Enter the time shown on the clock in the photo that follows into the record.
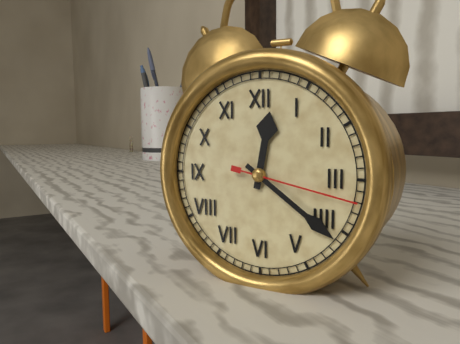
12:21:17
